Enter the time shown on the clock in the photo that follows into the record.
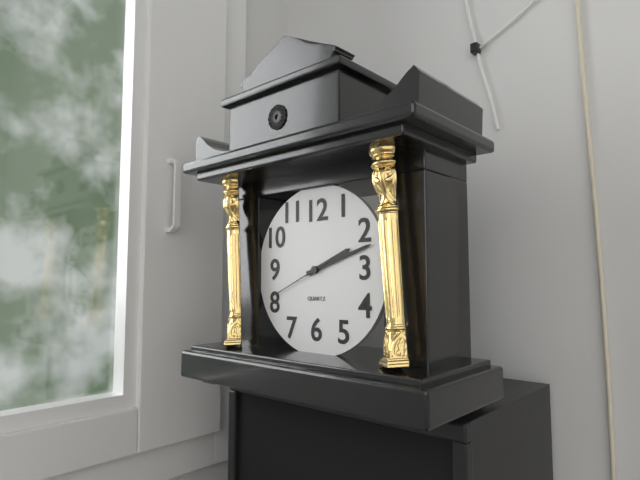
2:12:41
